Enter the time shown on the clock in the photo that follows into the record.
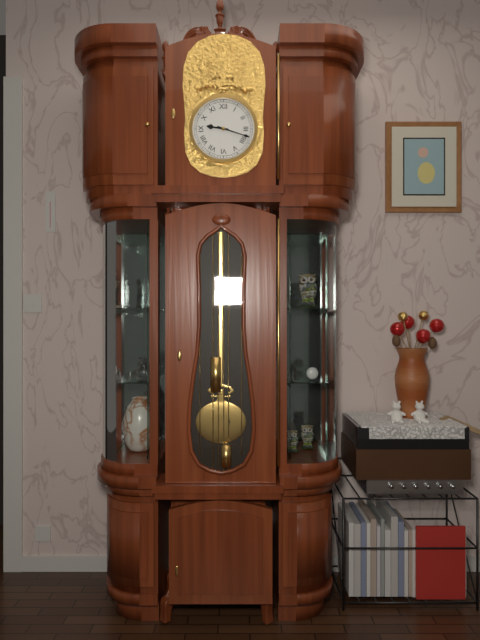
9:18
